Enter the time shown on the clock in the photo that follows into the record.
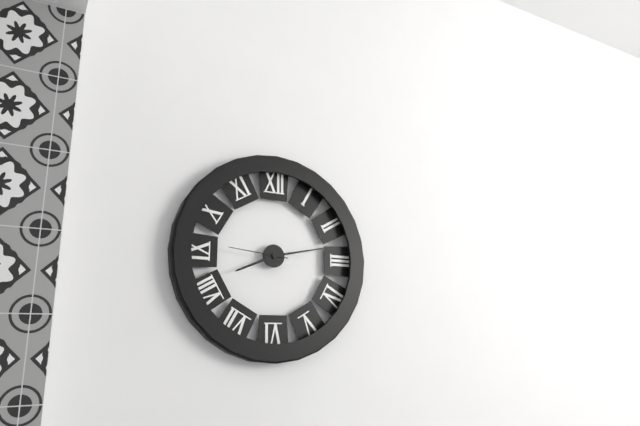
8:13:46
